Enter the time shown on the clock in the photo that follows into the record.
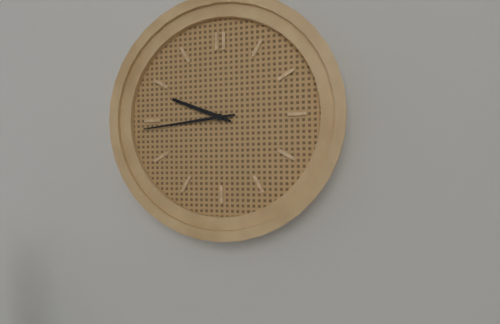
9:44
